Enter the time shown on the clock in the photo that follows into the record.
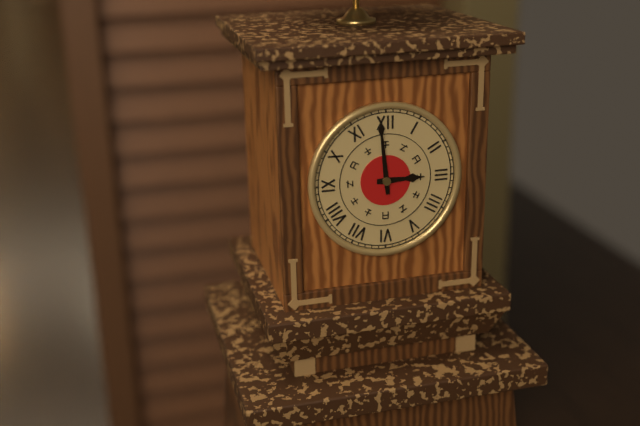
2:59
